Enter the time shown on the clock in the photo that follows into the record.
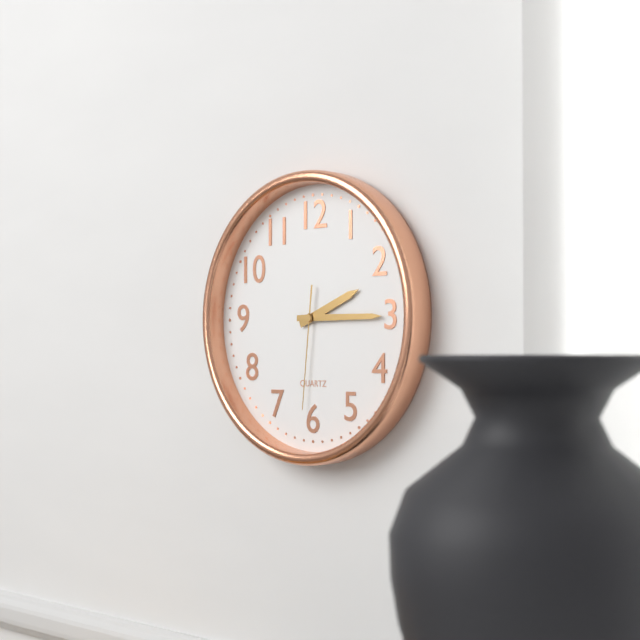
2:15:31
